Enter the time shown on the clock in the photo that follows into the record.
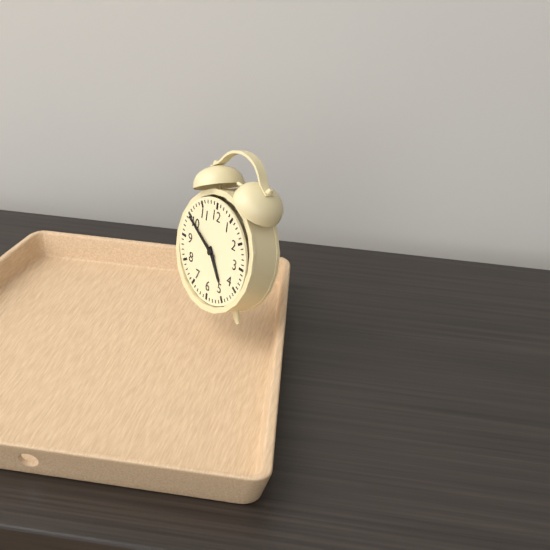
4:50
